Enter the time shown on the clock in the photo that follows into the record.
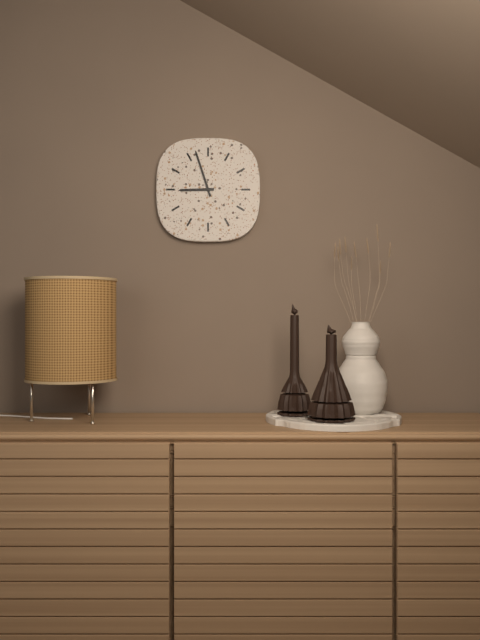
8:57
